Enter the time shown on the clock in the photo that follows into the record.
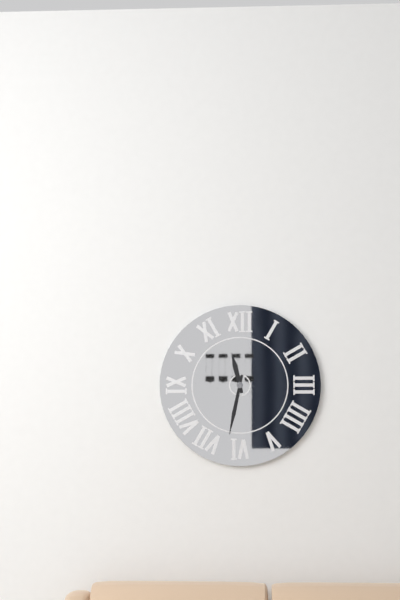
11:32
